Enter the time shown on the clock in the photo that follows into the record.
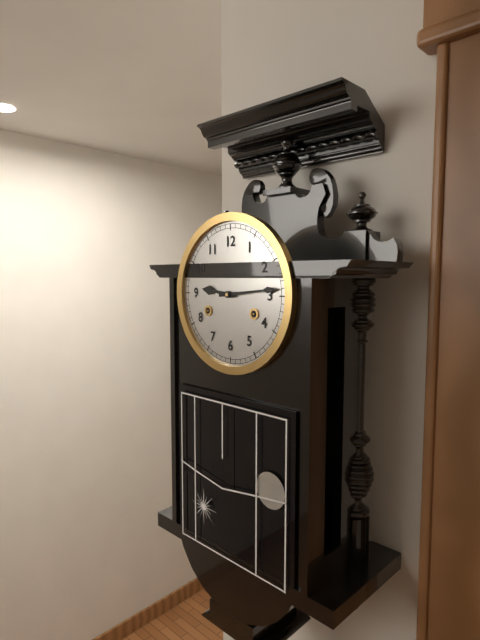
9:14
